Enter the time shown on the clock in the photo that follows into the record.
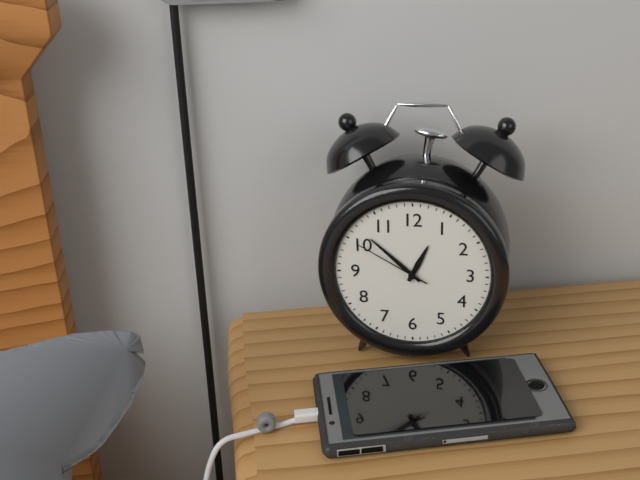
12:52:50
